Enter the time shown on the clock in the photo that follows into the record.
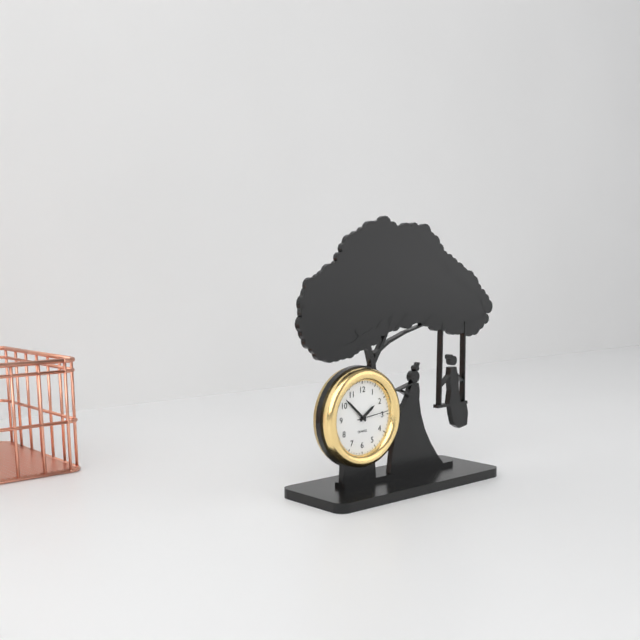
1:52
